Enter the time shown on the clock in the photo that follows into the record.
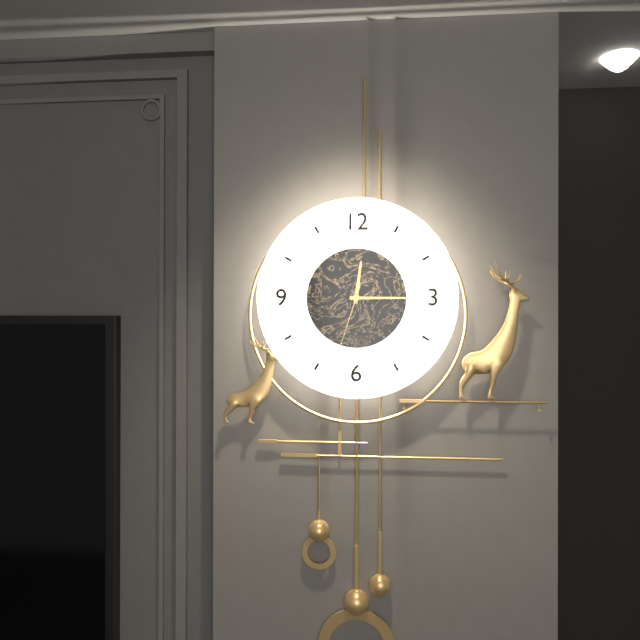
12:15:33
